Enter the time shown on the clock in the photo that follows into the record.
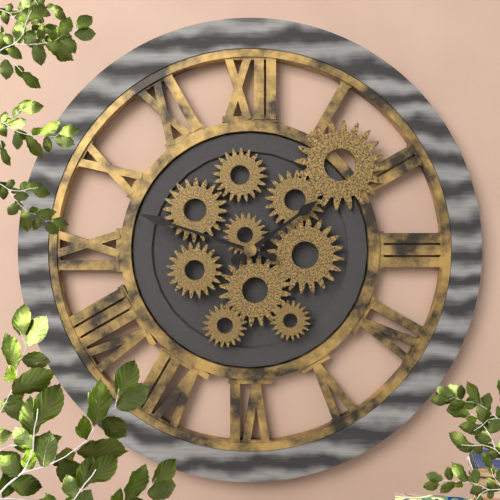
1:48
